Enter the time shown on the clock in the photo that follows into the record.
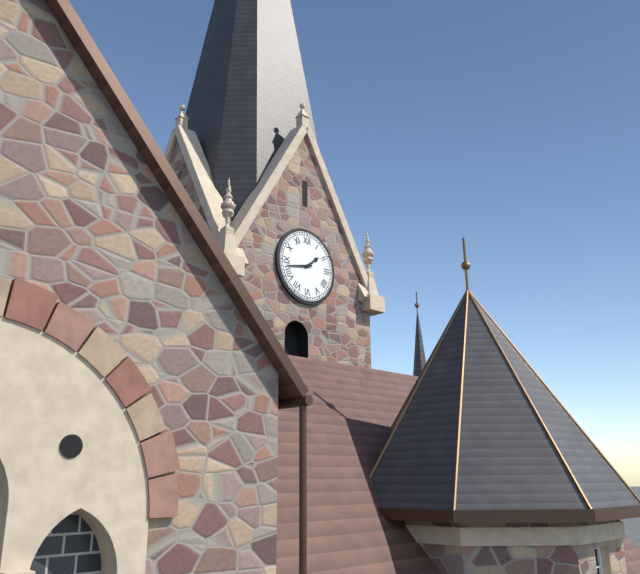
1:43
